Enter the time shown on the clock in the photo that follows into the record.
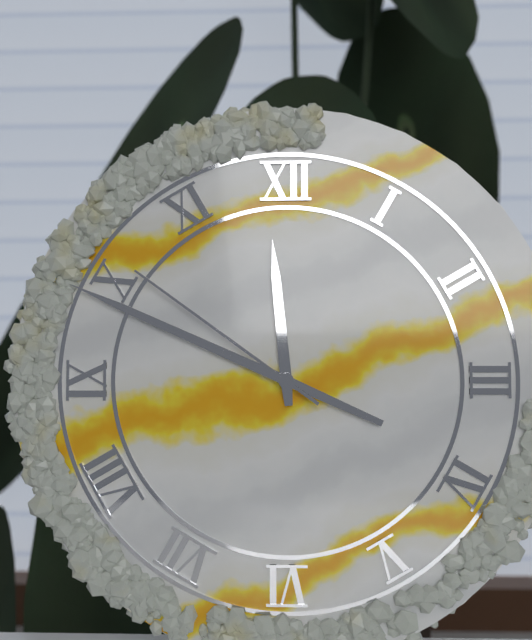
11:49:51
